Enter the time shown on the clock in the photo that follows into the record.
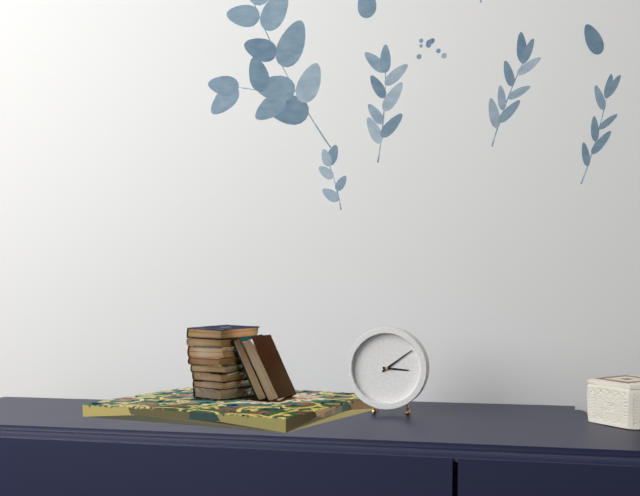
3:09
